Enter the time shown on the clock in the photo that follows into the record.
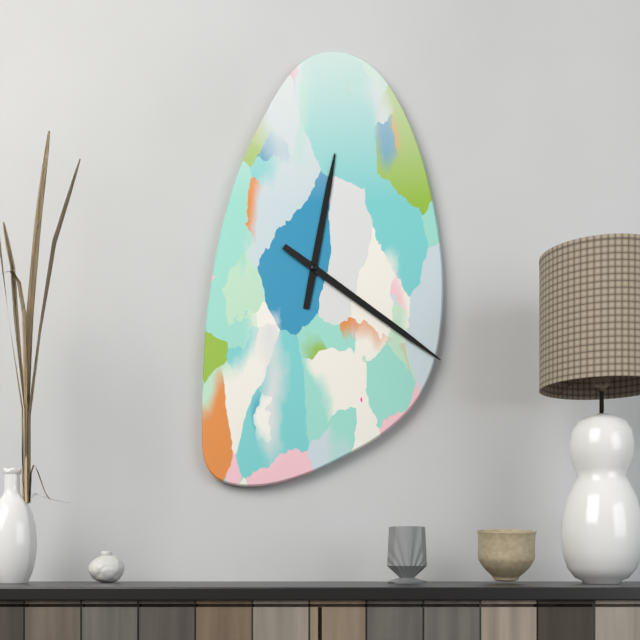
12:21
